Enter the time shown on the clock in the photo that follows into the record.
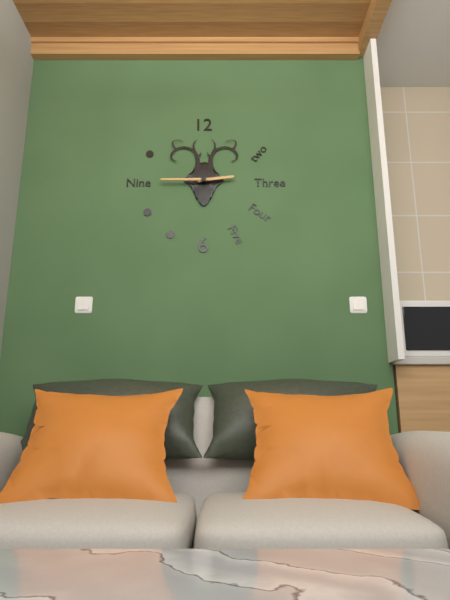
2:45
